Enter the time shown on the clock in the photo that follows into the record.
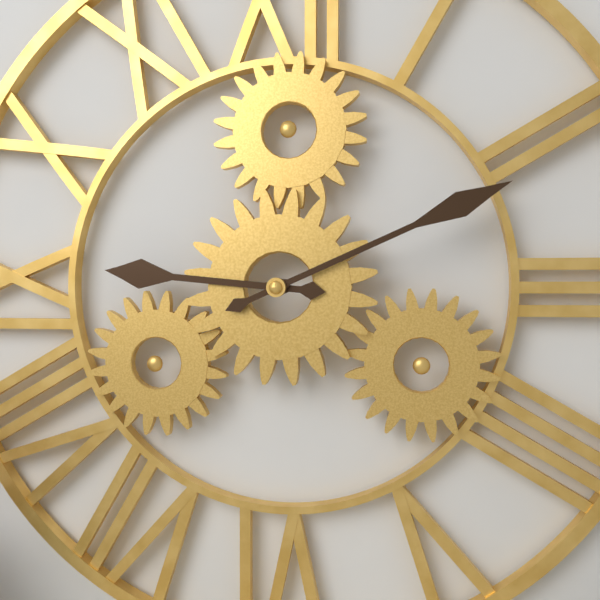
9:11
